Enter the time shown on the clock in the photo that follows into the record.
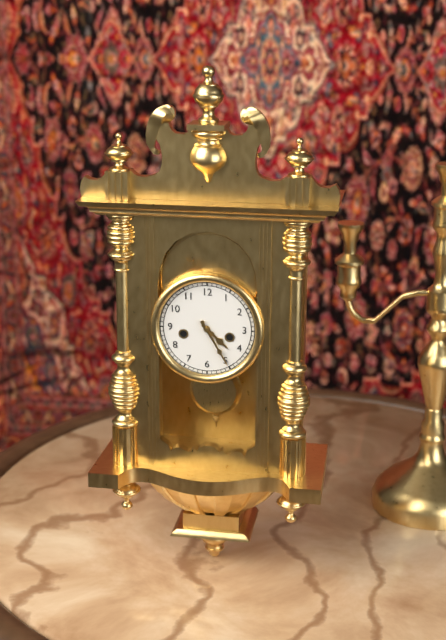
4:25
